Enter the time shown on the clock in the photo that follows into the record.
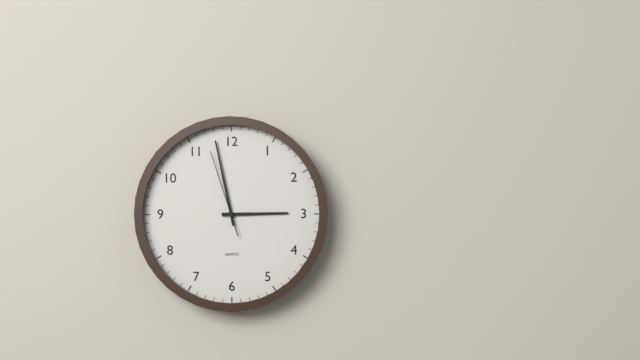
2:58:57
